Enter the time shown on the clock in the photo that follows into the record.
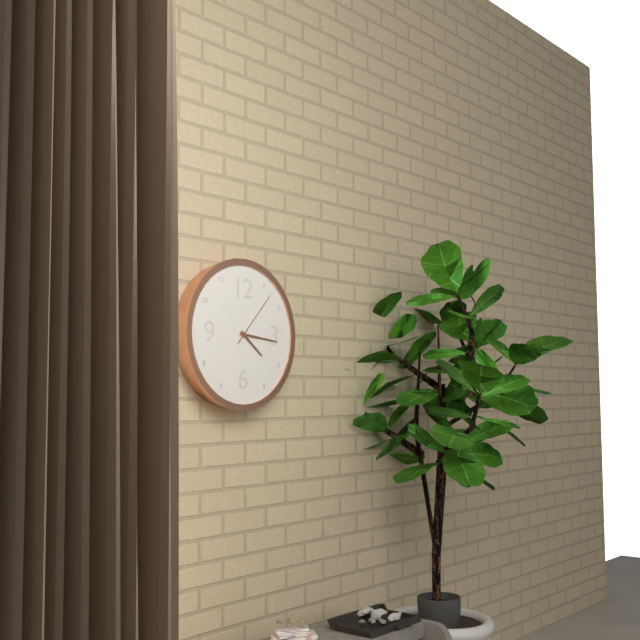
4:16:07
